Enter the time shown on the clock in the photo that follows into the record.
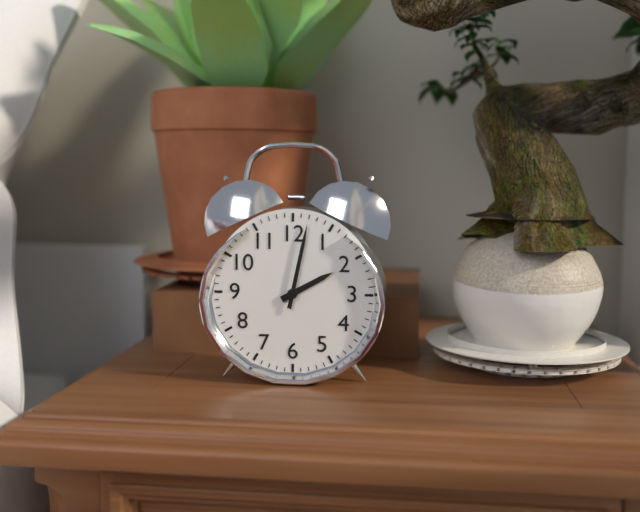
2:02
